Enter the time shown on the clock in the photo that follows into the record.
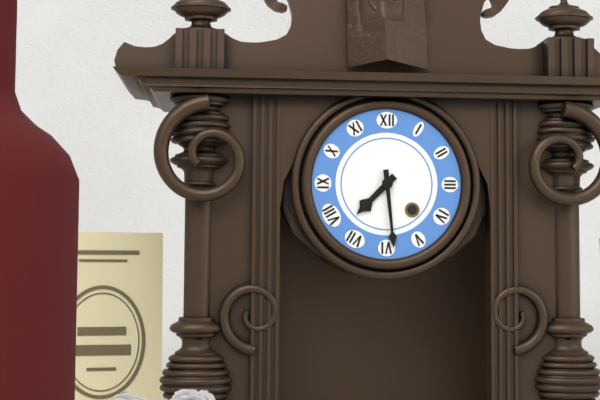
7:29
